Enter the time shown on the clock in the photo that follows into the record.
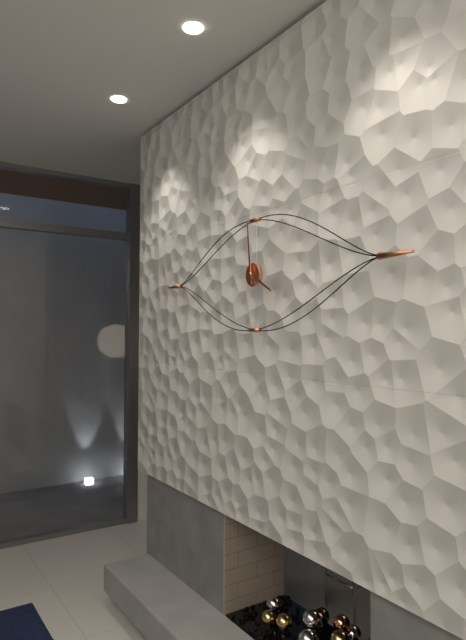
3:59
